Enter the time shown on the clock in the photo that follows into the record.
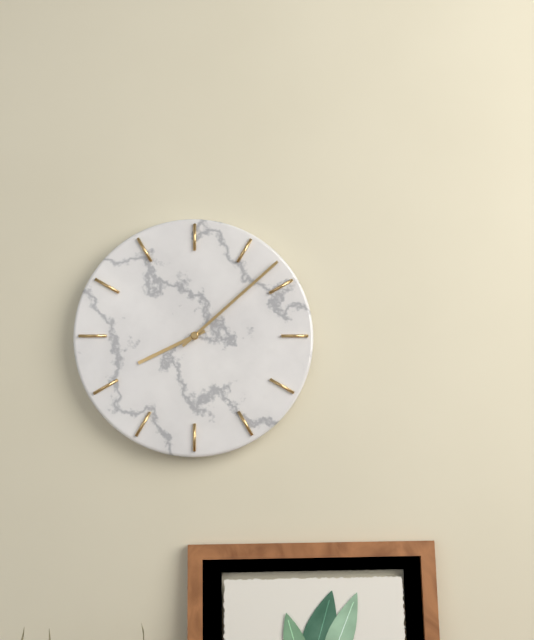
8:08
